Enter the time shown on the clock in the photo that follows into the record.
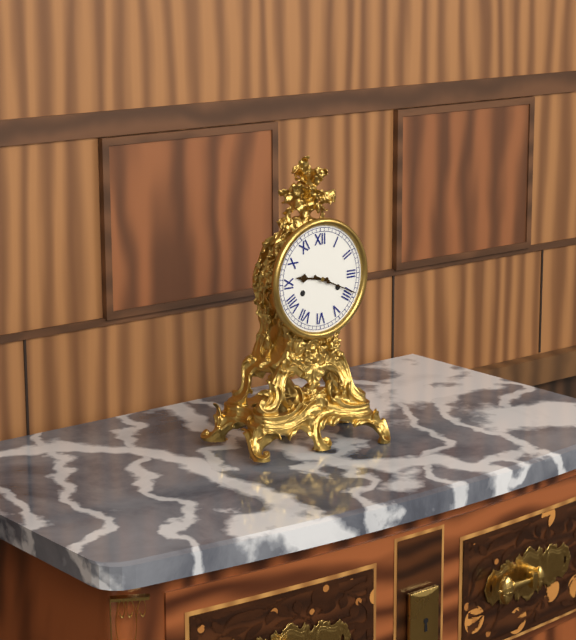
9:19
